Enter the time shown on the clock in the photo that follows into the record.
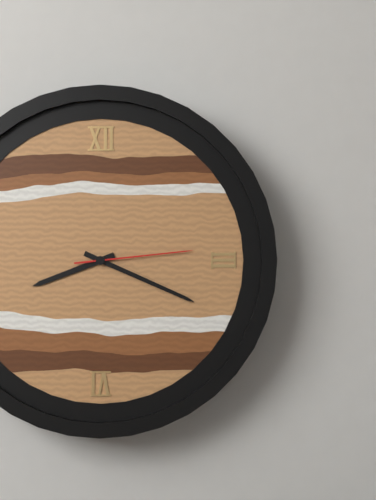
8:19:14
